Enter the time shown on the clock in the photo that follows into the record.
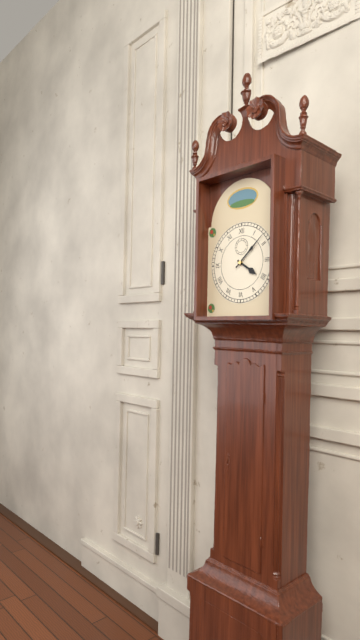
4:08
